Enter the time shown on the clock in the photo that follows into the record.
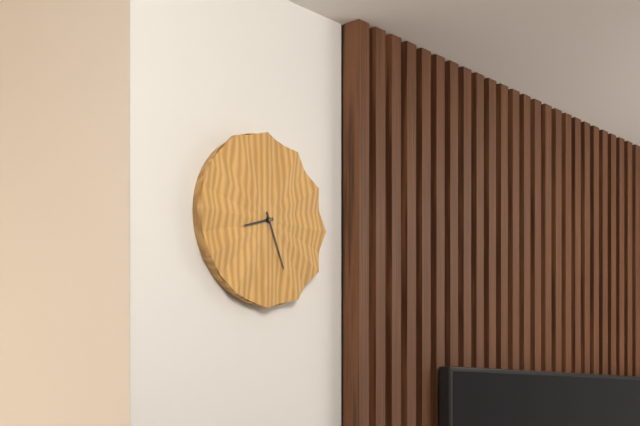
8:26
